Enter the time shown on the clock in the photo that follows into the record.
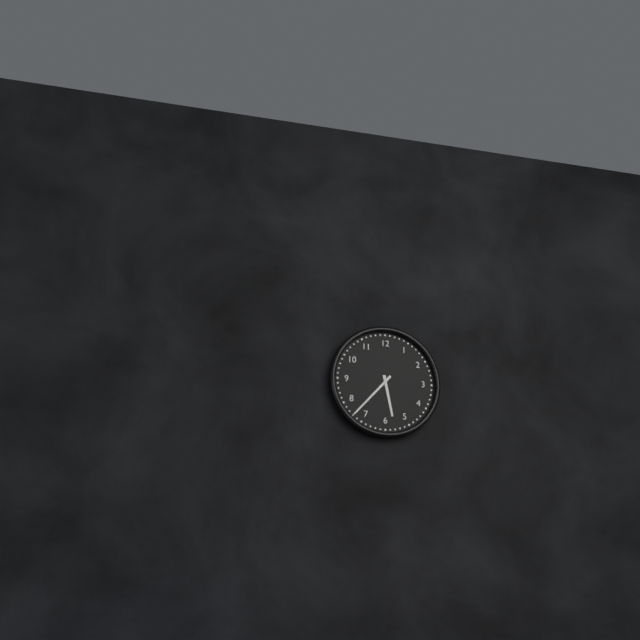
5:37
